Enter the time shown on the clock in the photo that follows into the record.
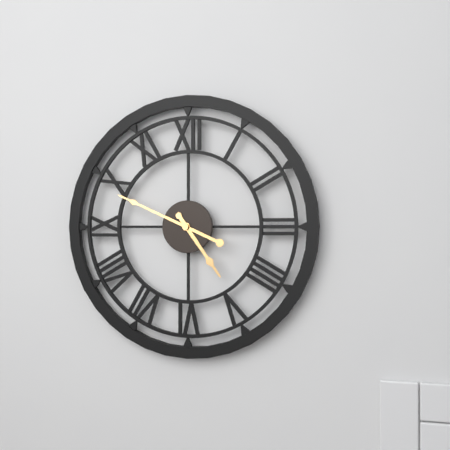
4:49
